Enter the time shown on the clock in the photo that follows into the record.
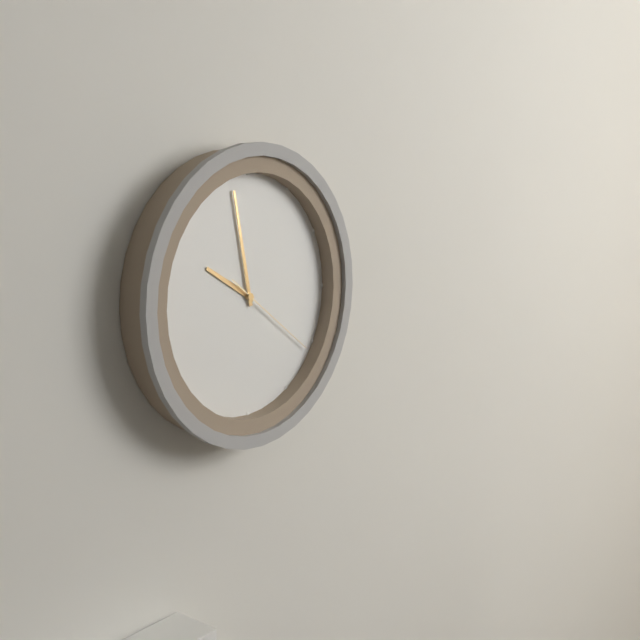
9:58:21
